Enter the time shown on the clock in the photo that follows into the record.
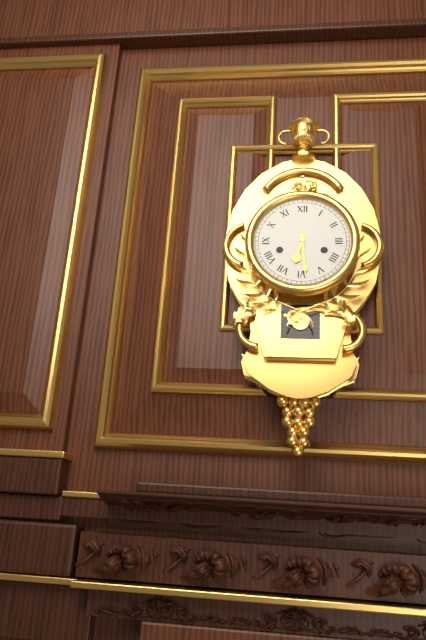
6:29
